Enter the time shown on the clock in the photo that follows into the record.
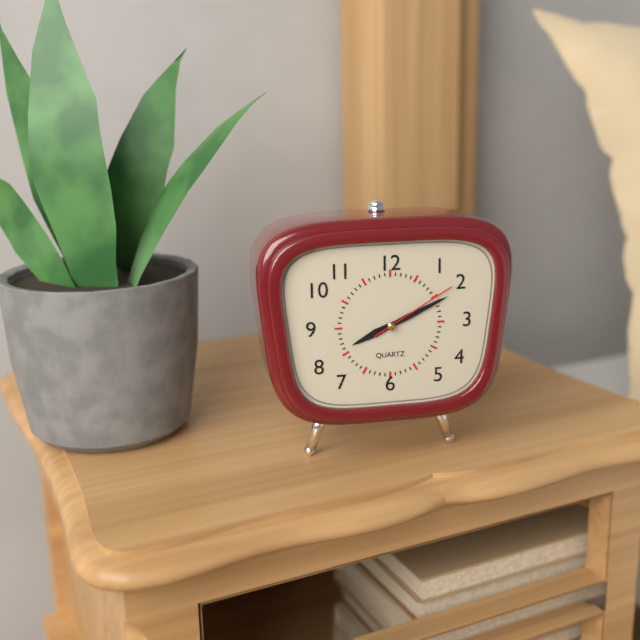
8:11:10
